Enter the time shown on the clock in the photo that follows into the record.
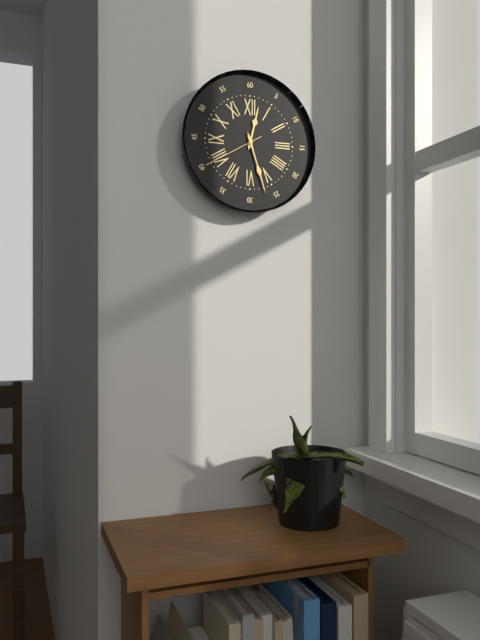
12:27:40
